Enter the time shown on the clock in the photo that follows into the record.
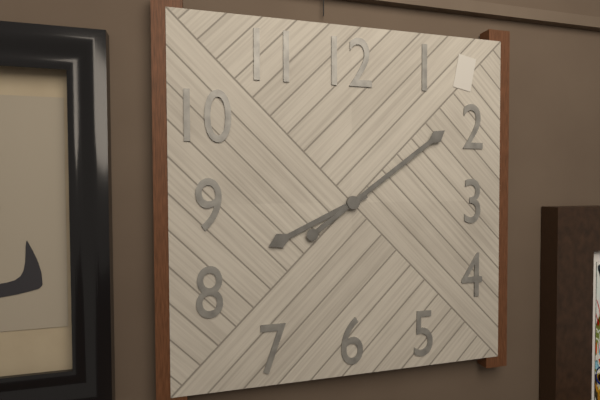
8:09
